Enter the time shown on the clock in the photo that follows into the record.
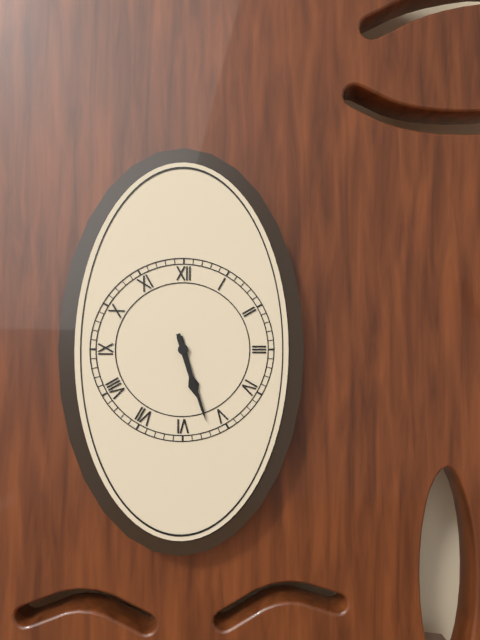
5:27
